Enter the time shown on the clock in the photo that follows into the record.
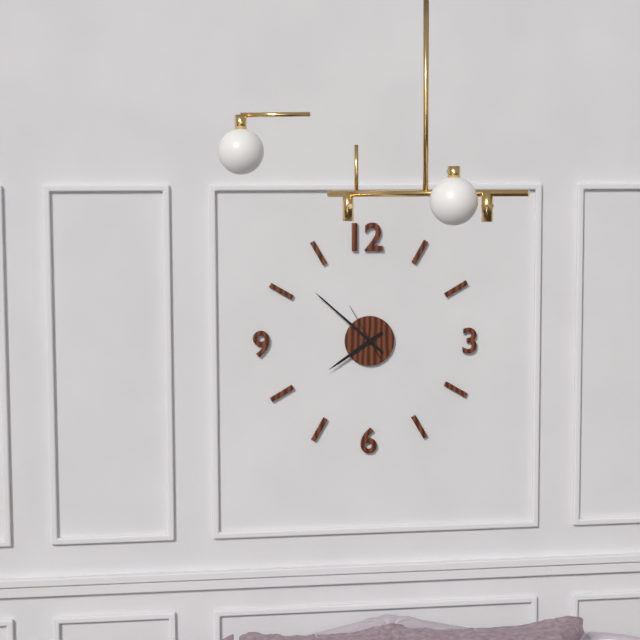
7:52:55
